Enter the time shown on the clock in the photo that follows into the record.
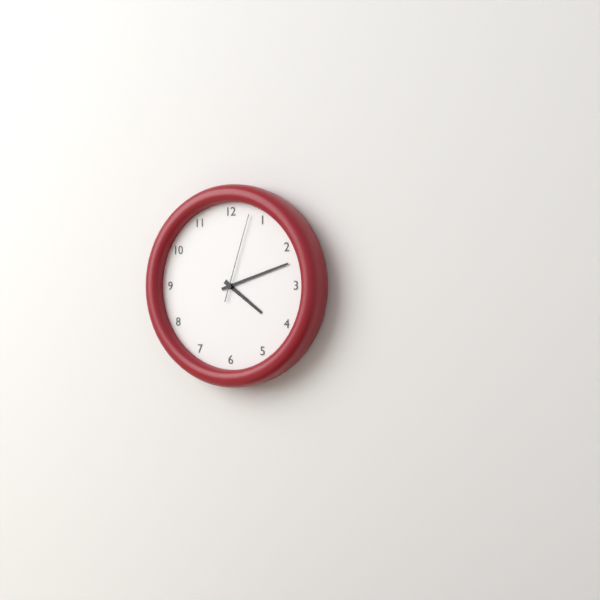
4:12:03
